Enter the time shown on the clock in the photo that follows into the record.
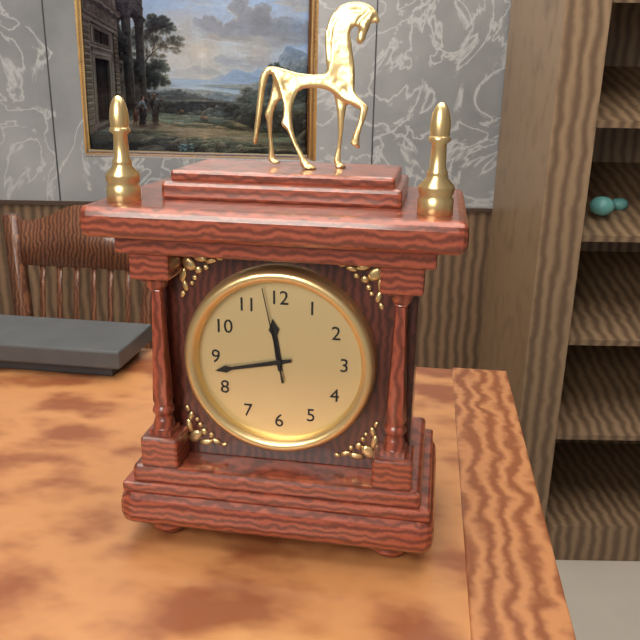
11:43:58
